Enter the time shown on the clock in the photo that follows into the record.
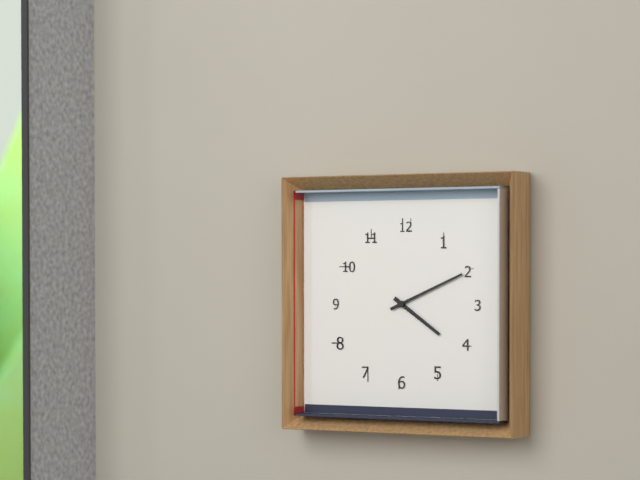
4:11
